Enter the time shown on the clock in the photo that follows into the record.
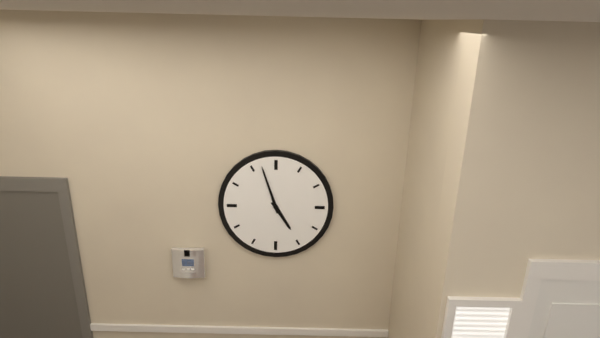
4:57
